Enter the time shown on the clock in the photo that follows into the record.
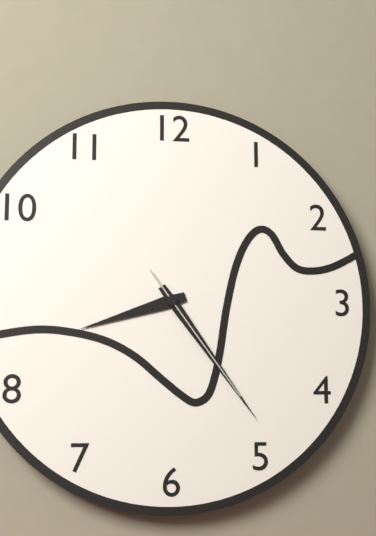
8:24:24
